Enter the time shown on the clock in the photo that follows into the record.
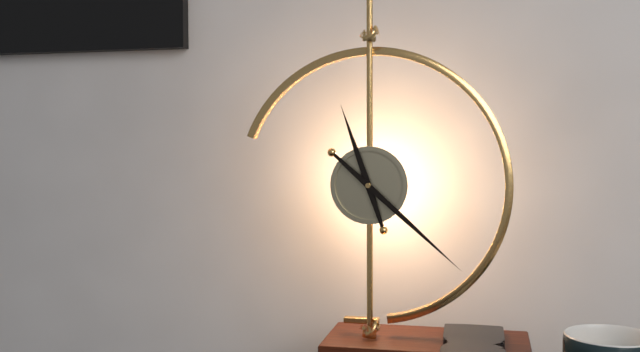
11:22
